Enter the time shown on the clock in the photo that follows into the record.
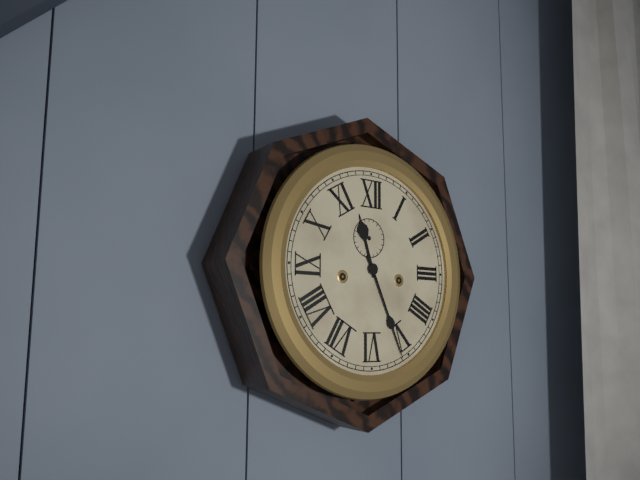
11:26
